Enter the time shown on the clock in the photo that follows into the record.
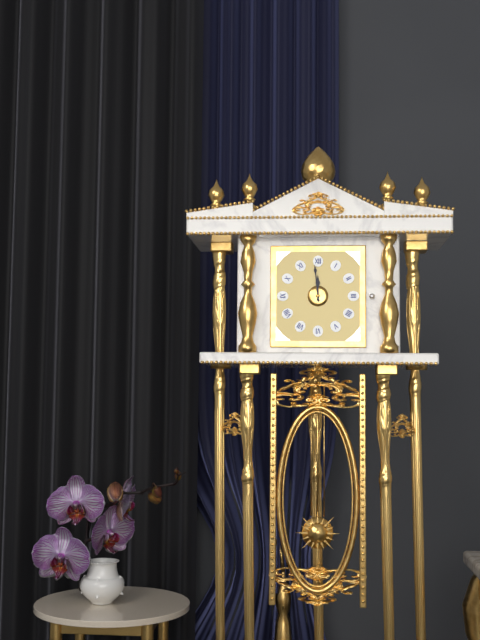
11:59
